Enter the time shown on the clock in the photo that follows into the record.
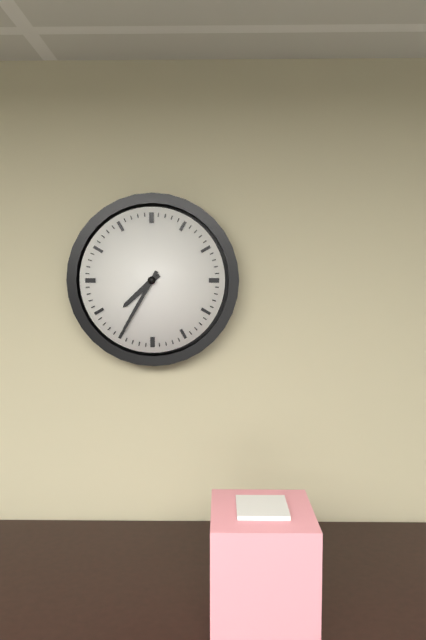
7:35
